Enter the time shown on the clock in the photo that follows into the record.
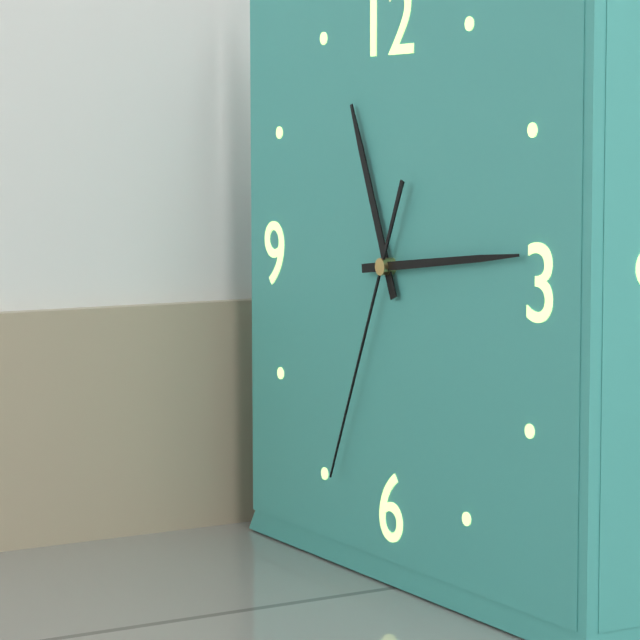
11:14:34
